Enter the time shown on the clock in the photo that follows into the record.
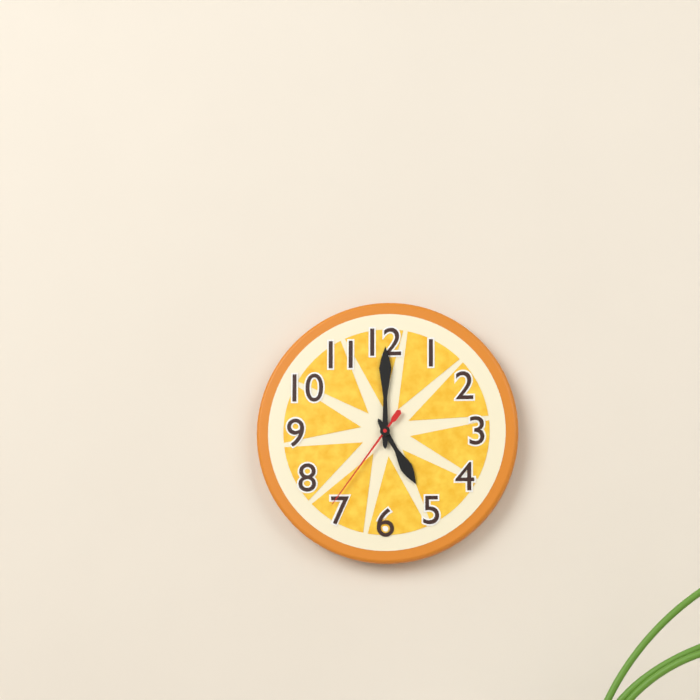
5:00:36
